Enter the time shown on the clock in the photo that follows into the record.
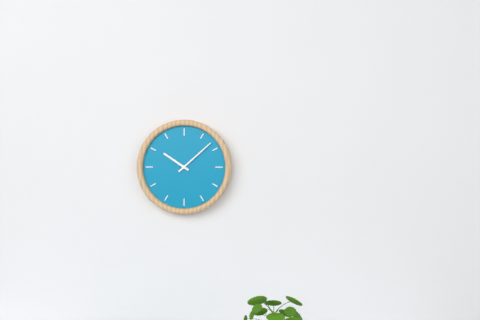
10:08
